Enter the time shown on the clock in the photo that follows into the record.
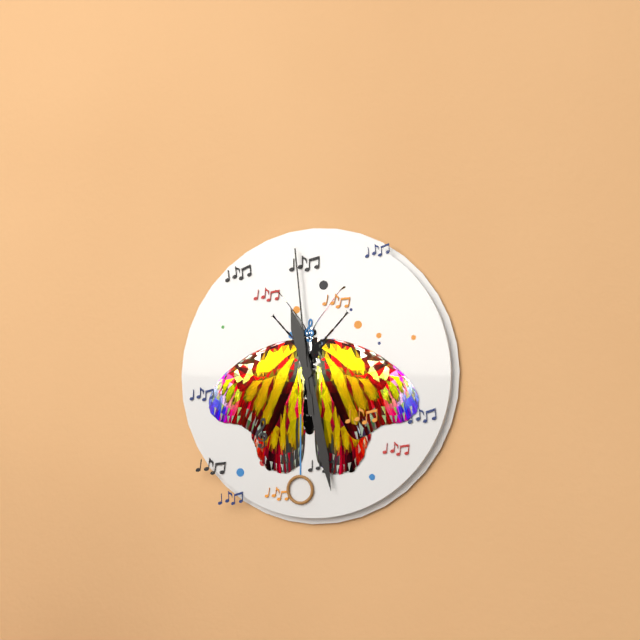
11:28:59
